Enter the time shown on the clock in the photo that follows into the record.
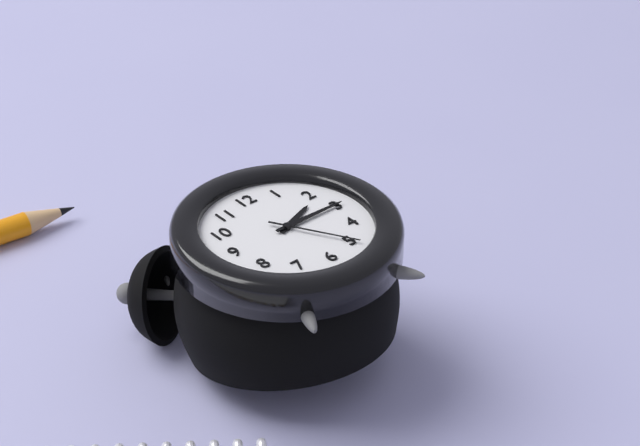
2:15:25
